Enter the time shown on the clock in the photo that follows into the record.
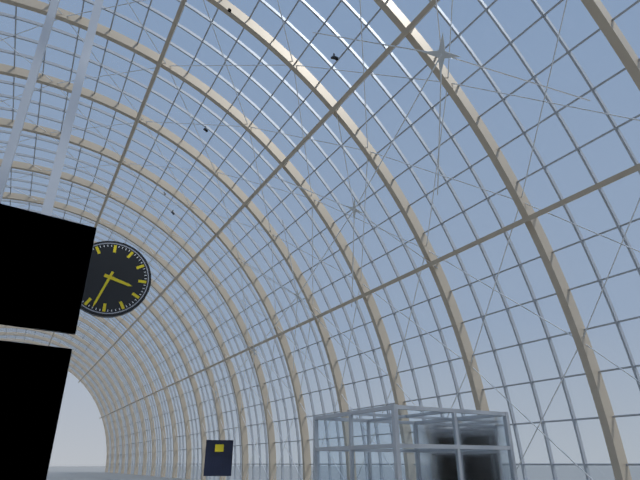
3:33
